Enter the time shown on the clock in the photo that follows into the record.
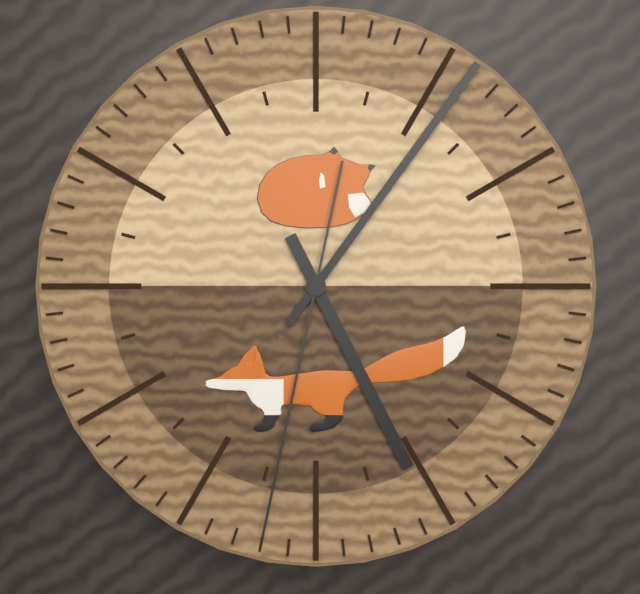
5:06:32
